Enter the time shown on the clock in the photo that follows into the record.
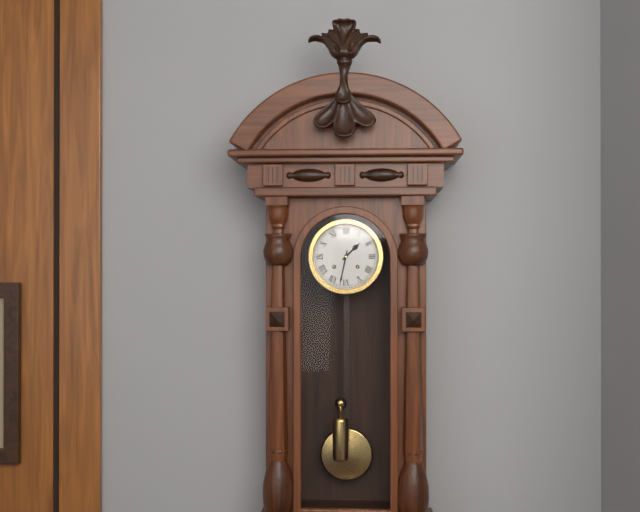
1:32
